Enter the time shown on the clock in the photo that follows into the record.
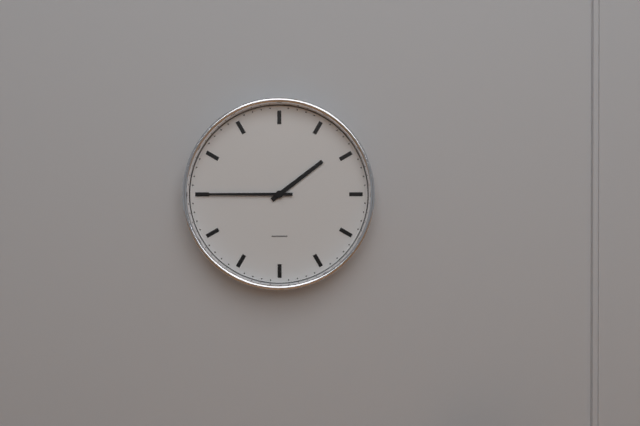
1:45
